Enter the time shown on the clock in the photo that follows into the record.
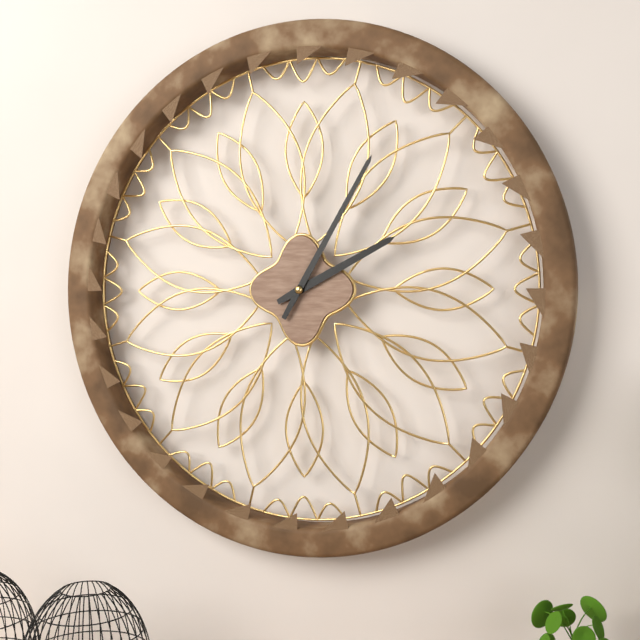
2:05
